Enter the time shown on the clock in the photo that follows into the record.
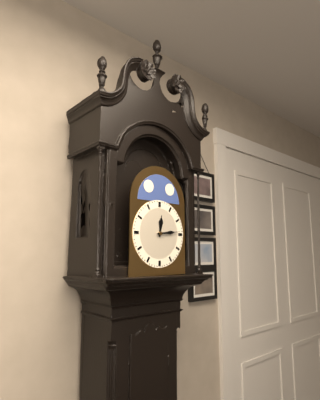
12:14
